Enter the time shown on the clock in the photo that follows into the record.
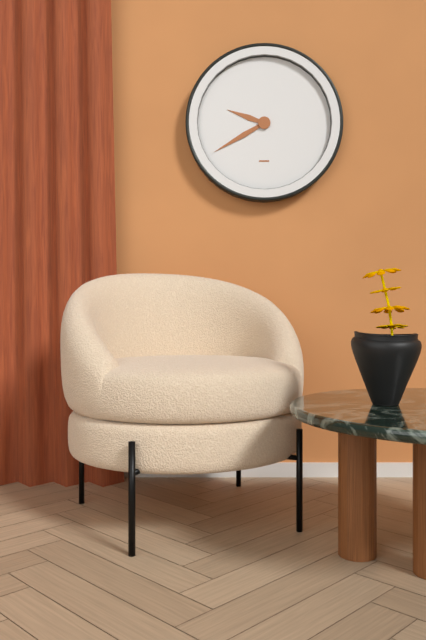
9:40
